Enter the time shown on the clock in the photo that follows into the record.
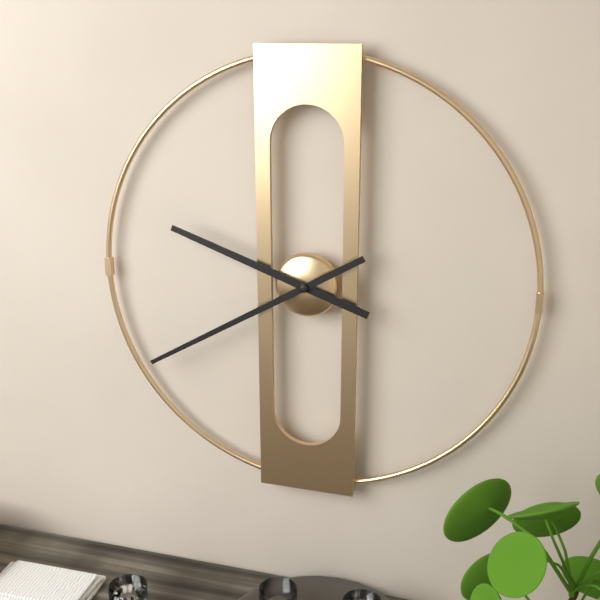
9:40
